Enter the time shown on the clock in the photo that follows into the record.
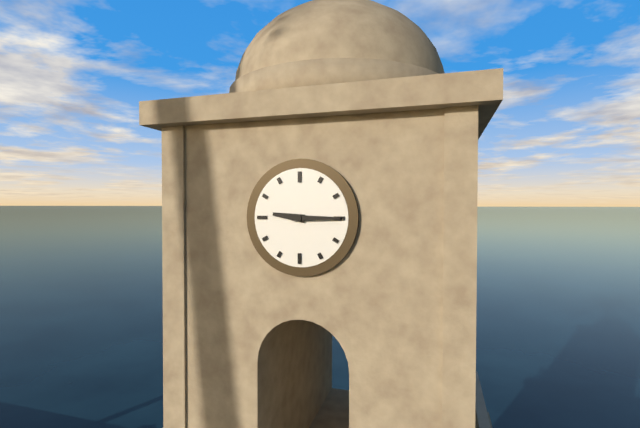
9:15
